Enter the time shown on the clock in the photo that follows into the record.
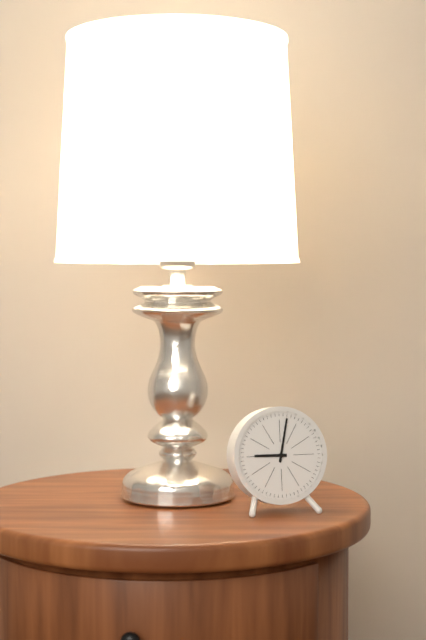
9:02
